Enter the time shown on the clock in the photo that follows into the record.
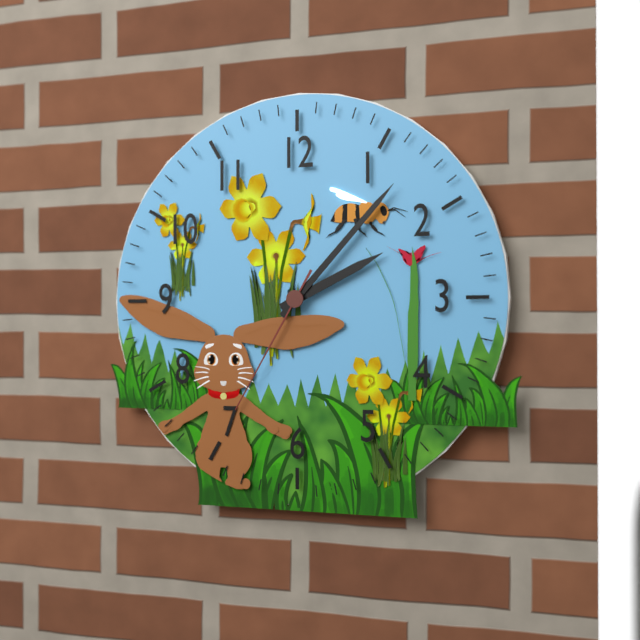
2:07:35
